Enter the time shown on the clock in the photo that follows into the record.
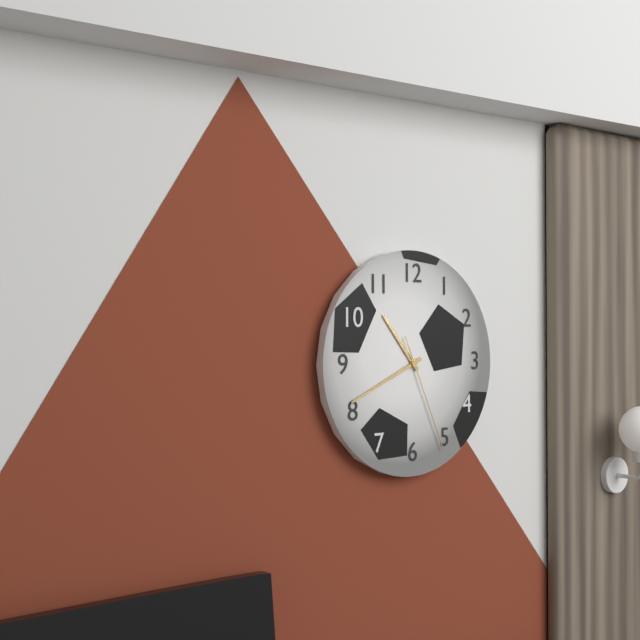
10:41:26
